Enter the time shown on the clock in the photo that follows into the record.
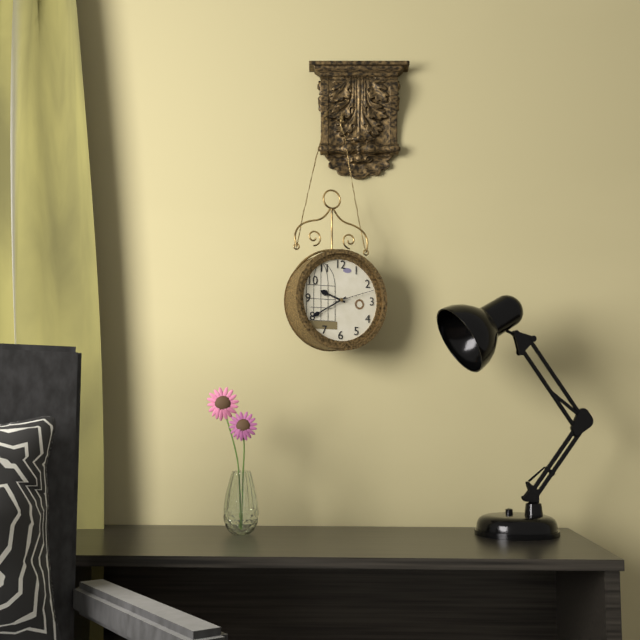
9:40:12
